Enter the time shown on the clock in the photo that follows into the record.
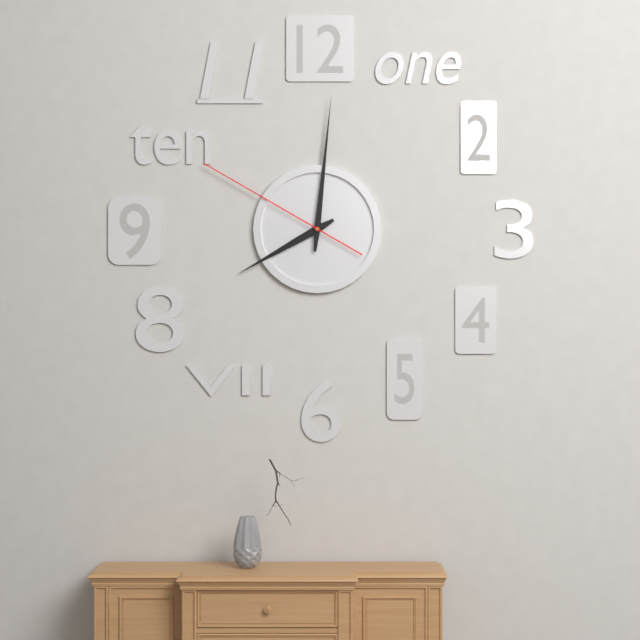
8:01:50
